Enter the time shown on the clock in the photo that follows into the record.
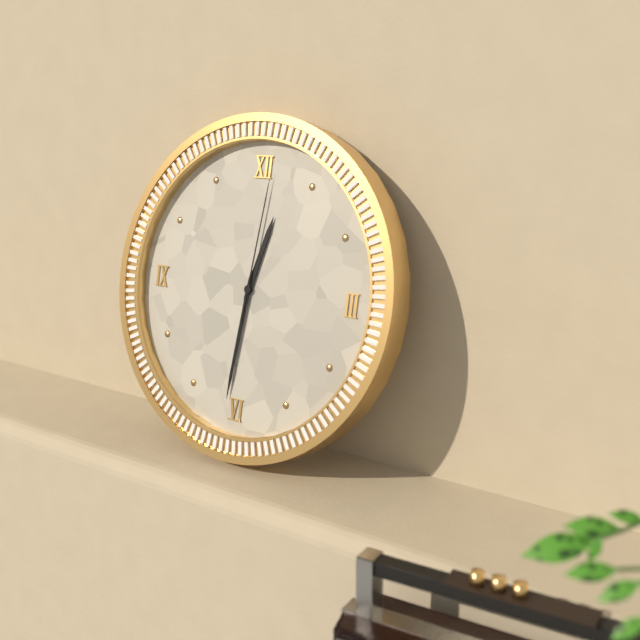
12:31:01
